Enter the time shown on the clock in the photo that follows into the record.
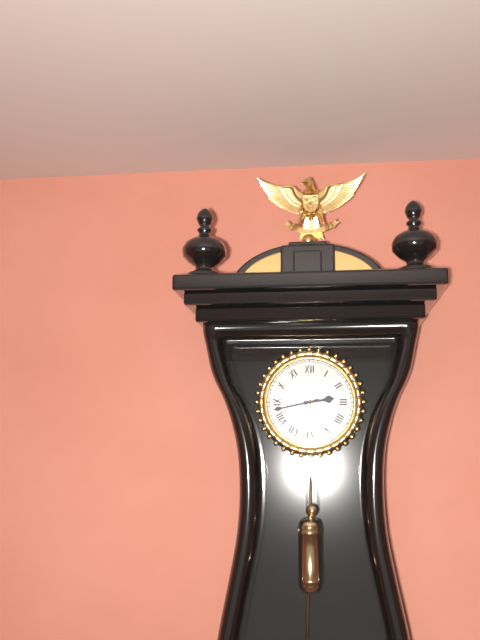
2:43
